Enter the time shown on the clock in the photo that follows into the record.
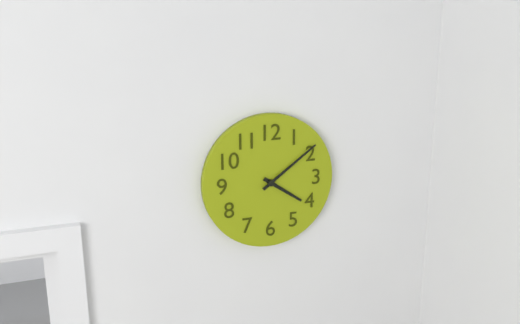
4:09
